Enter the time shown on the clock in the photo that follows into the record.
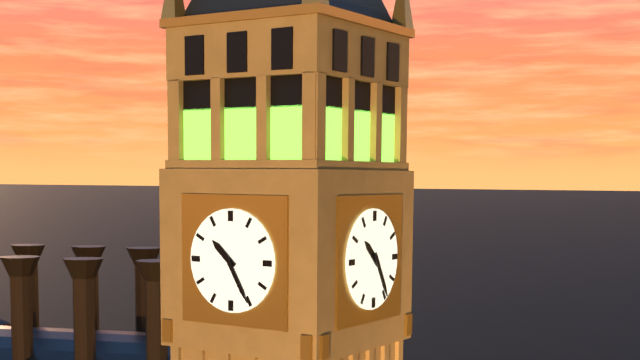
10:25
